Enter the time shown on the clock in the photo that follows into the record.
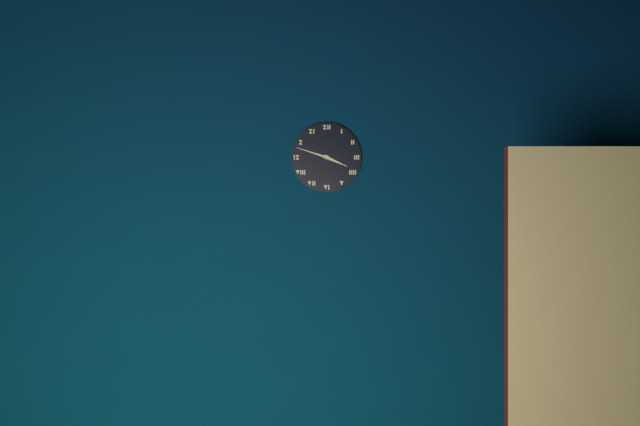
3:48
